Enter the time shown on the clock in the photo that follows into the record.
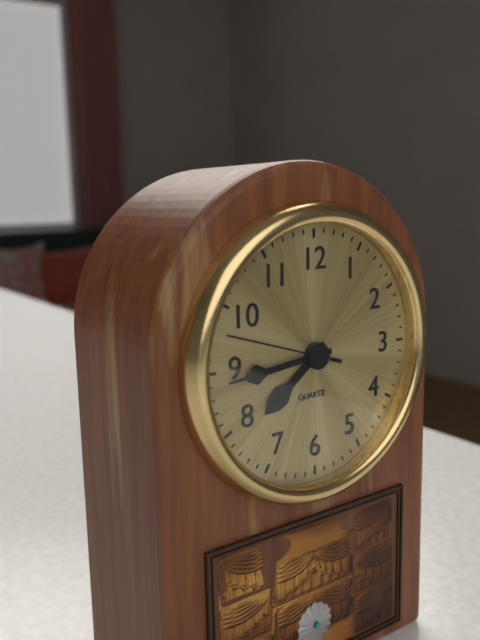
7:44:48
